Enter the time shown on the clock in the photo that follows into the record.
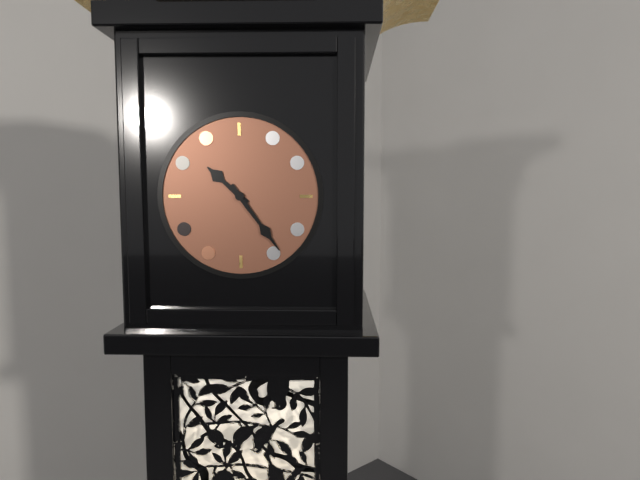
10:24
